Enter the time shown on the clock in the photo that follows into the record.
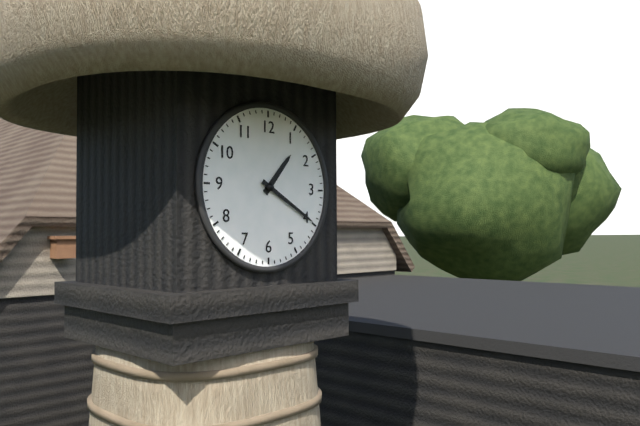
1:20
